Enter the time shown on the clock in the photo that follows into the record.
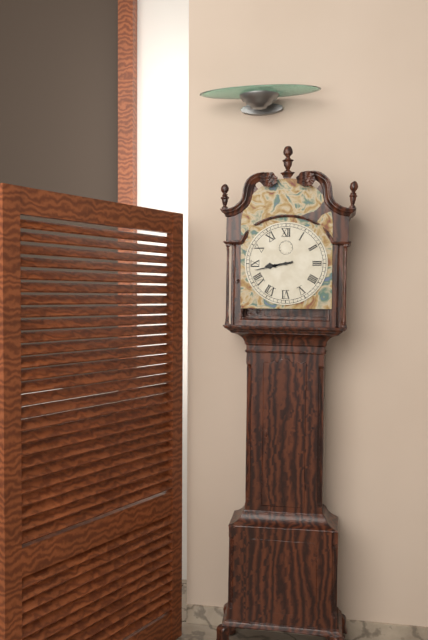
8:43
